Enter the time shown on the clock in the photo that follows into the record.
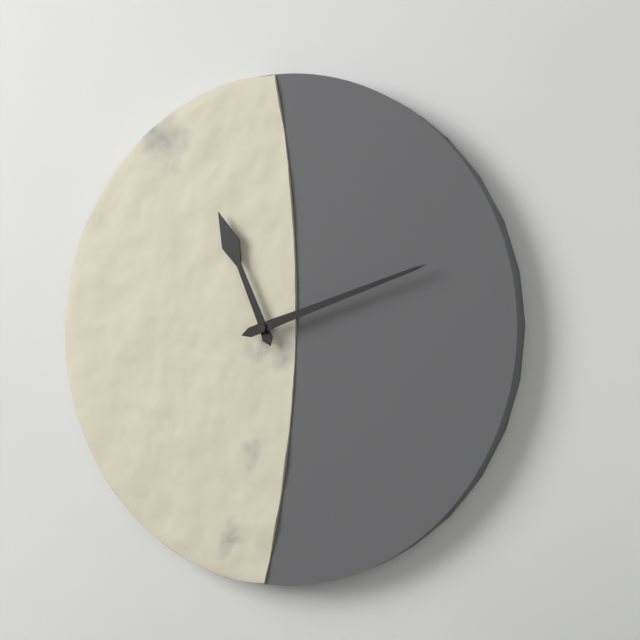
11:12
